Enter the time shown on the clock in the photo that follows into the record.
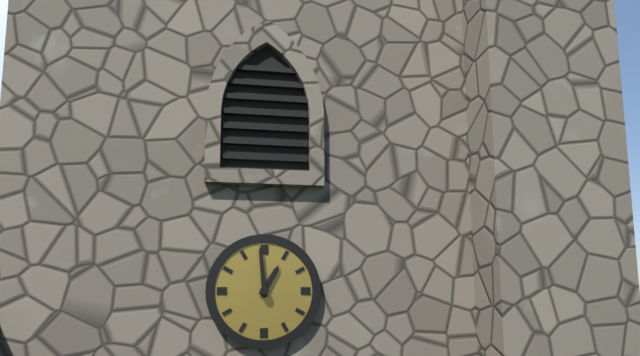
12:59
